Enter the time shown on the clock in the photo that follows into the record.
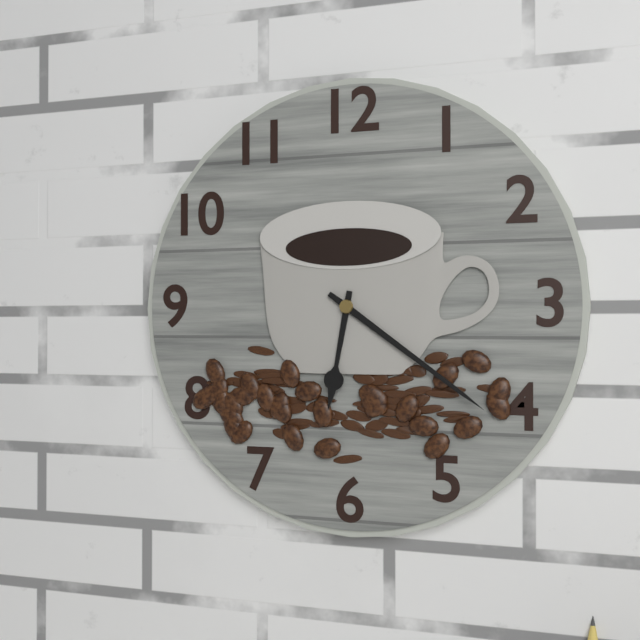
6:21
